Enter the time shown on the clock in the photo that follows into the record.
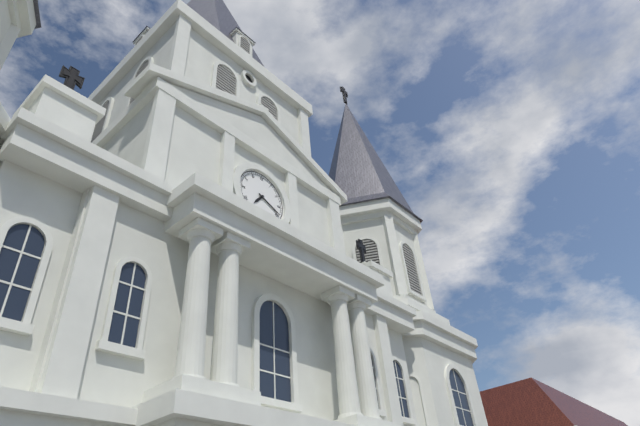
7:19
